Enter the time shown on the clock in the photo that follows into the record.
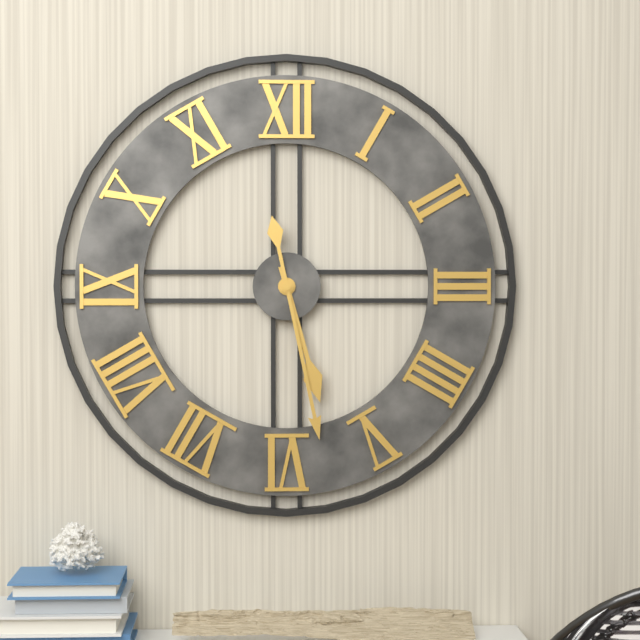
5:28
